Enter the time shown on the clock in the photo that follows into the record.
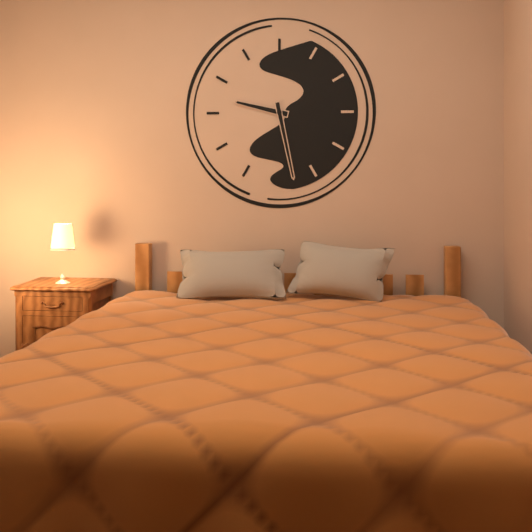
9:28
